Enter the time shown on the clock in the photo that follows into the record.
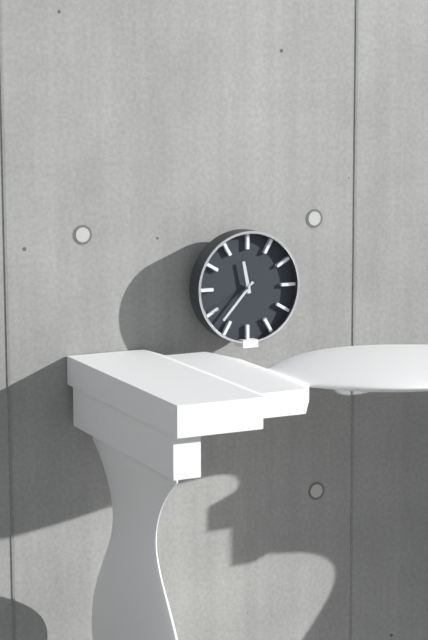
11:37:40
